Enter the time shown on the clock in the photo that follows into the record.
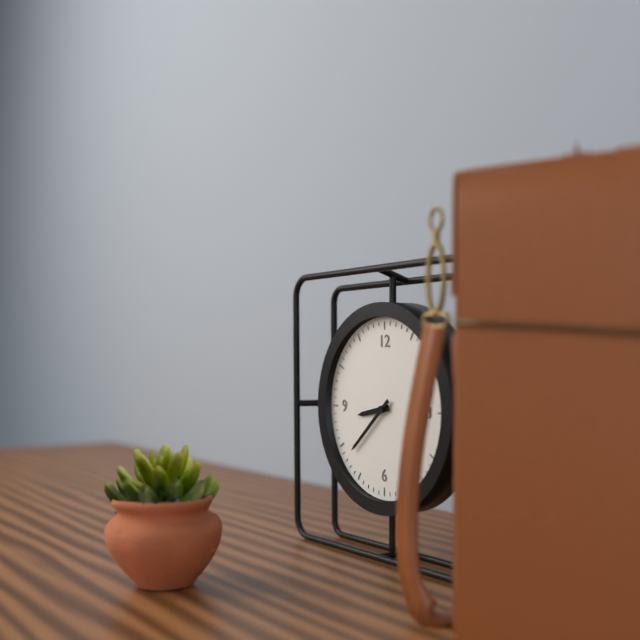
8:38
